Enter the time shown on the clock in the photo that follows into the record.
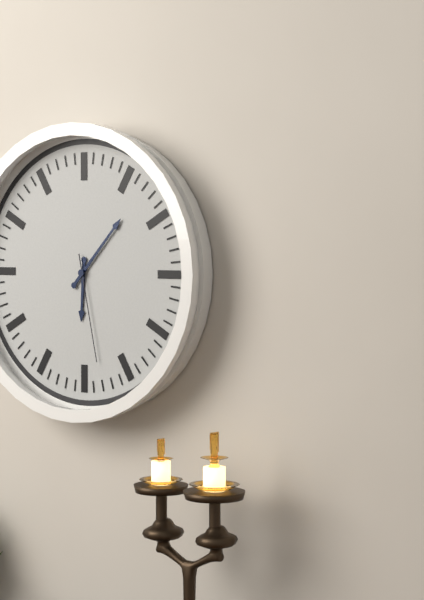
6:07:28
